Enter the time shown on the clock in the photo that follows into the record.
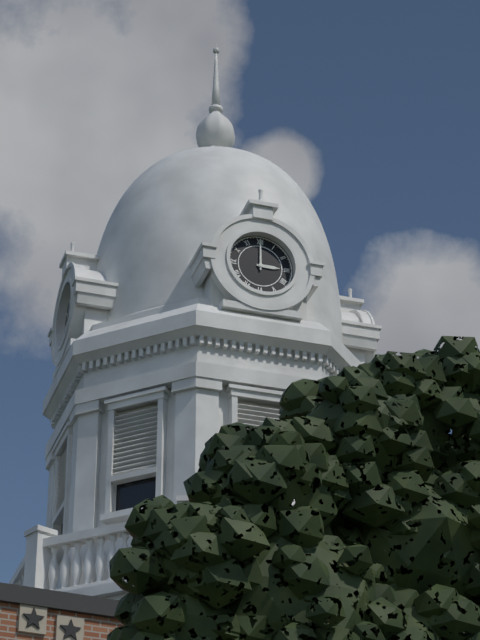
3:00
